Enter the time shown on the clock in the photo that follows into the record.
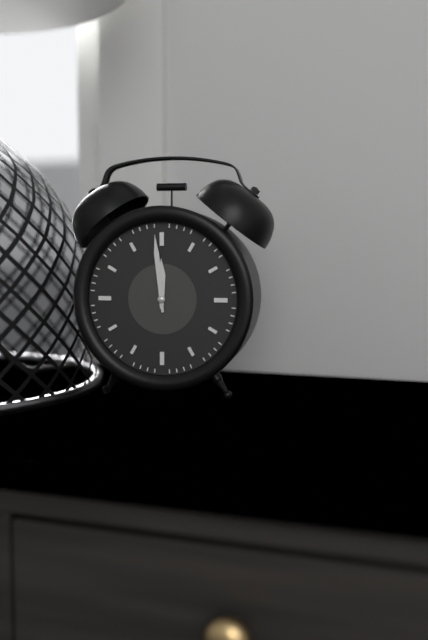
11:59
